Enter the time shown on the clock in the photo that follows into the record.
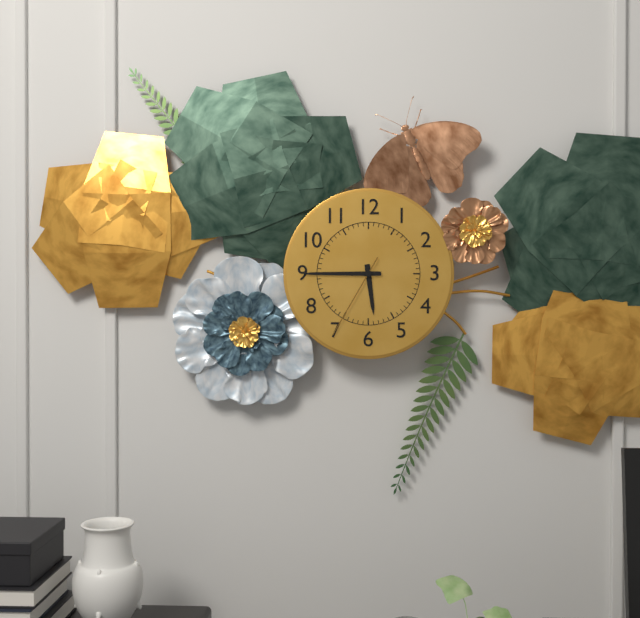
5:45:35
